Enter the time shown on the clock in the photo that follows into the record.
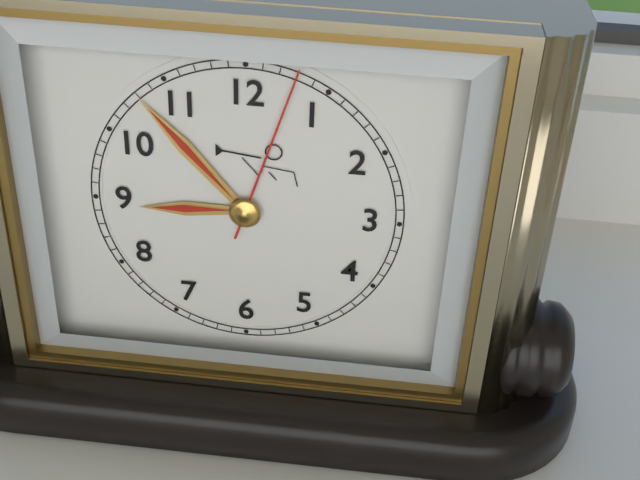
8:53:03
